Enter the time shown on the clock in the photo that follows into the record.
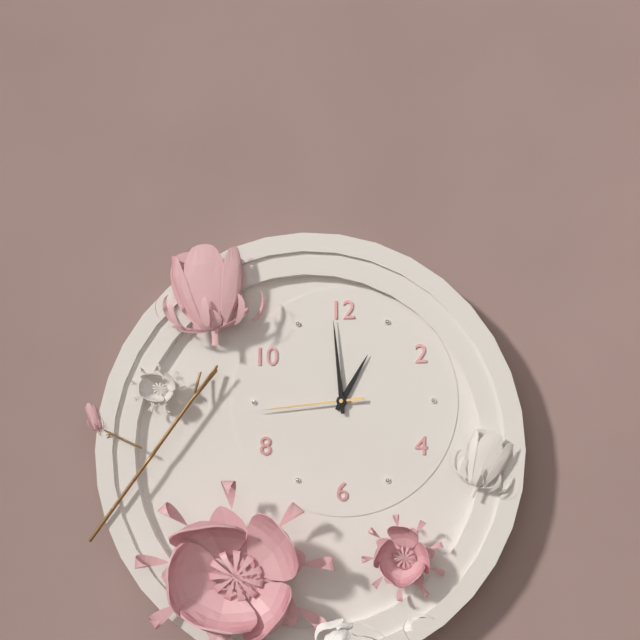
12:59:44
